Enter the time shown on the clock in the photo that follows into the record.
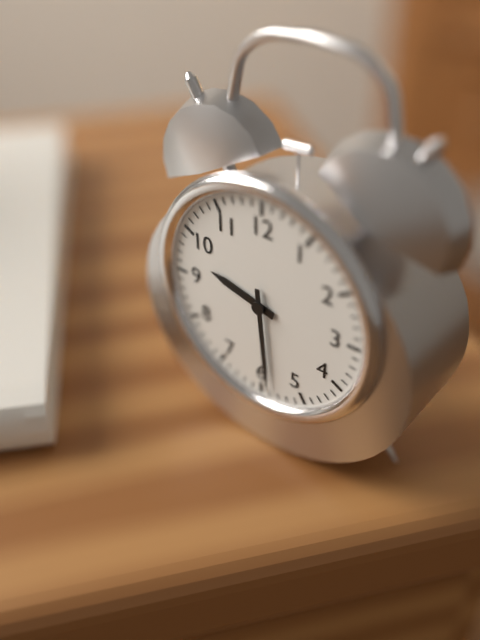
9:29
